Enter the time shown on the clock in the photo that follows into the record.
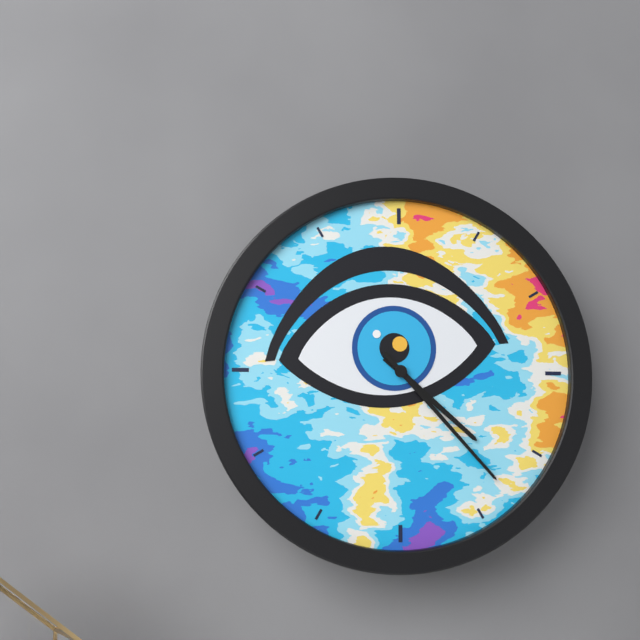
4:23
